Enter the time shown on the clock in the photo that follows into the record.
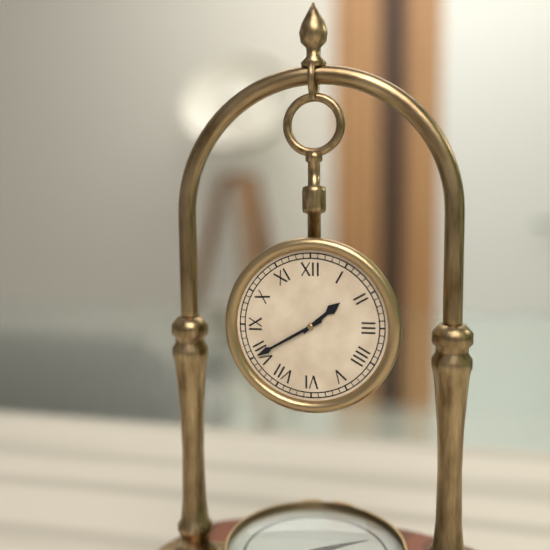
1:40
